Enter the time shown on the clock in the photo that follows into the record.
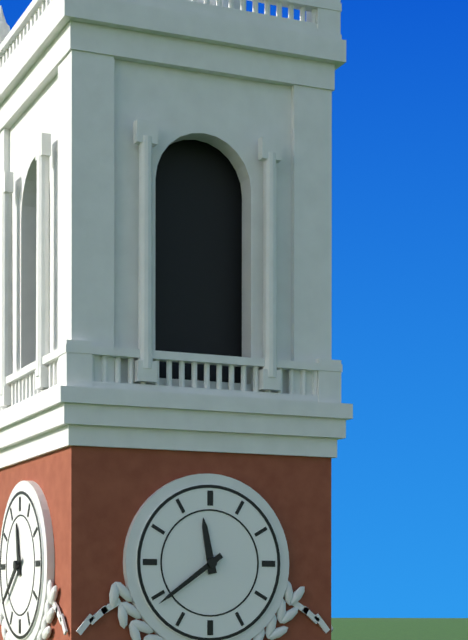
11:39
